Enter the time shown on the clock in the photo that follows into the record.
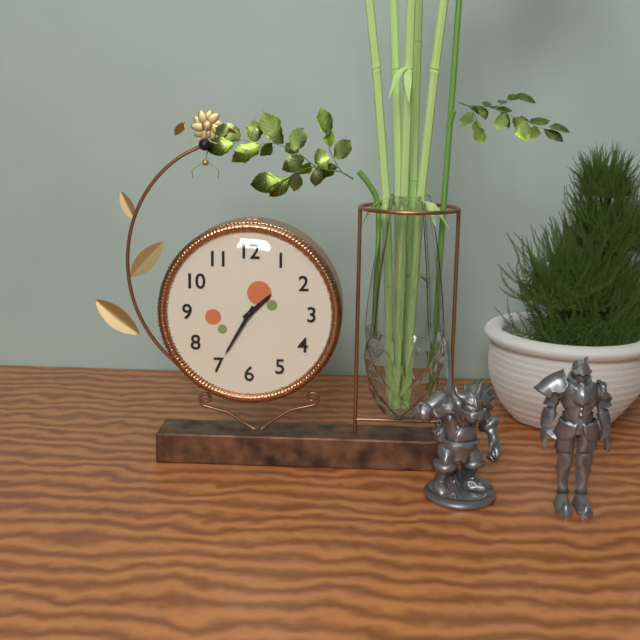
1:35
